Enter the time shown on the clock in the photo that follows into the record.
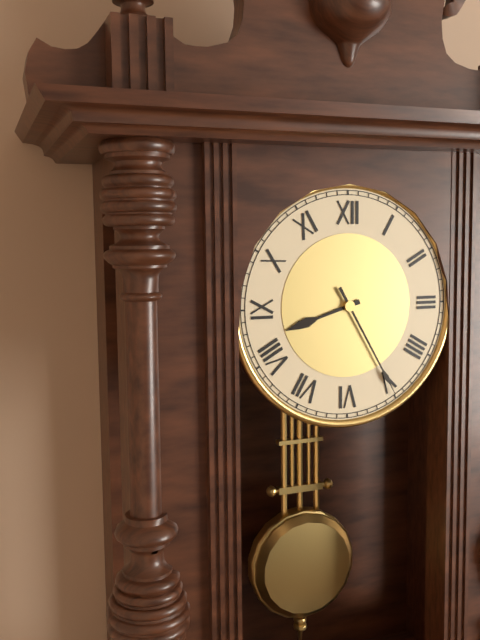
8:25
